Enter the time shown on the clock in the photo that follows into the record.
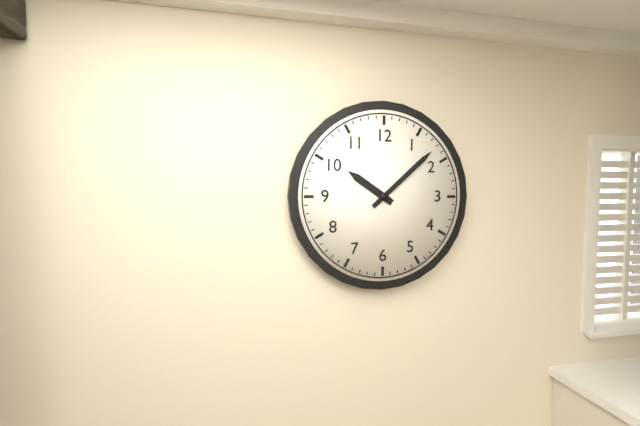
10:08
